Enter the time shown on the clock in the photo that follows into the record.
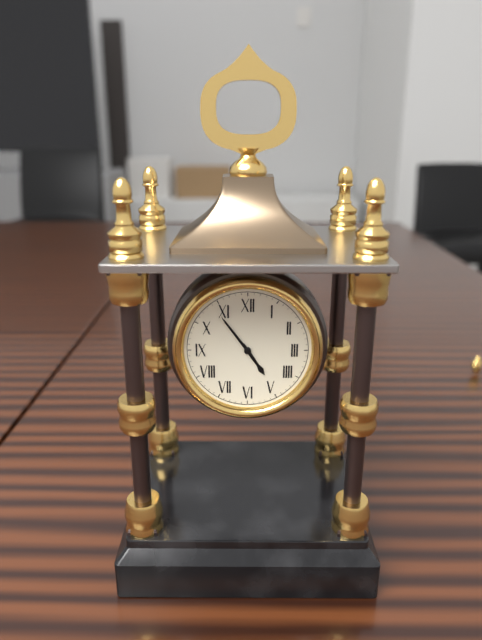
4:54
